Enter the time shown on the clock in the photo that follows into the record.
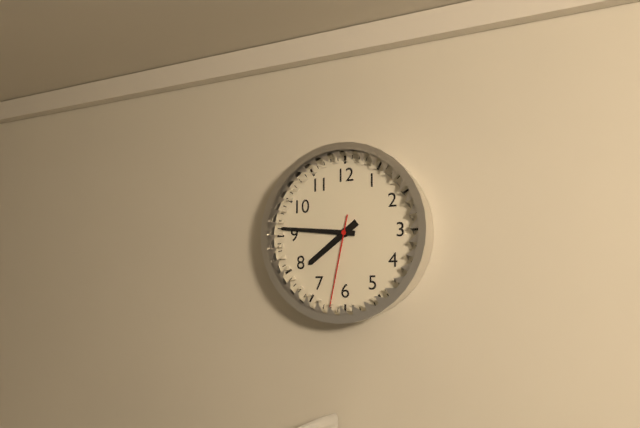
7:46:32
